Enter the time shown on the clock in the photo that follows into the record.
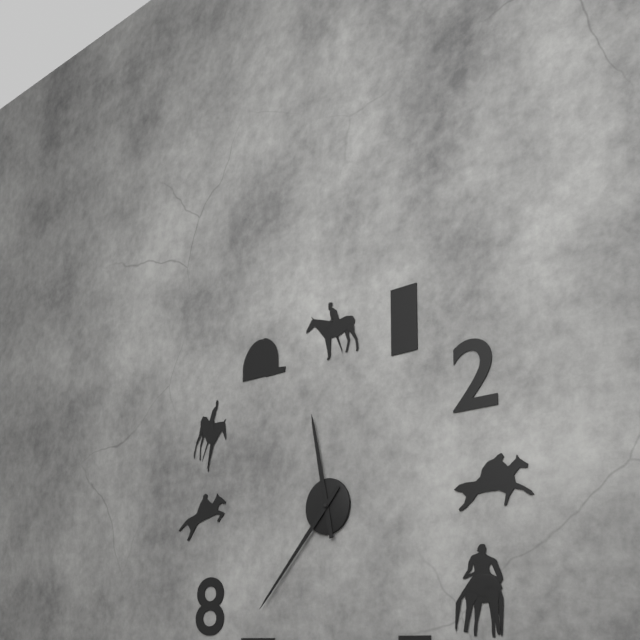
11:37
